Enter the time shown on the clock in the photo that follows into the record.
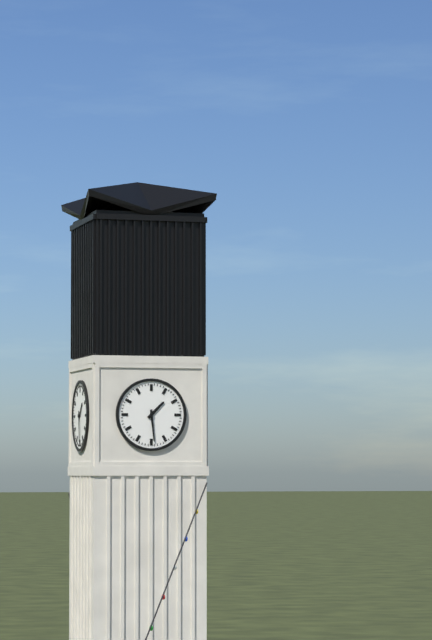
1:29
